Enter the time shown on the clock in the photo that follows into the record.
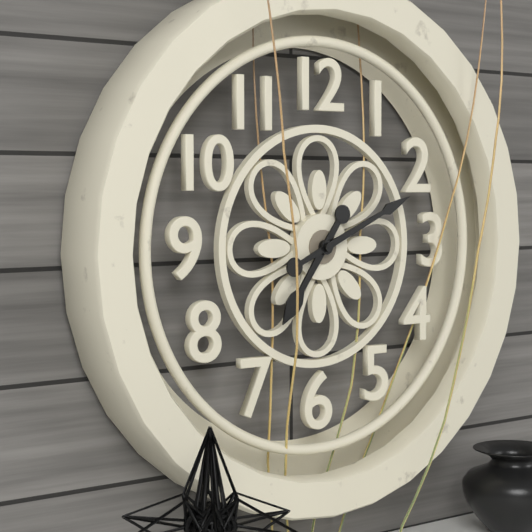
7:11
